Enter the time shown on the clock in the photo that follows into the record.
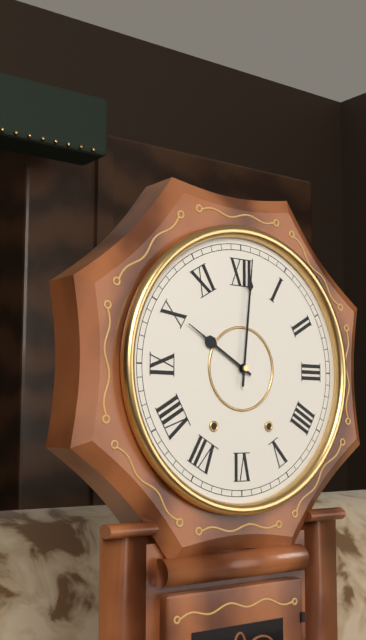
10:01
